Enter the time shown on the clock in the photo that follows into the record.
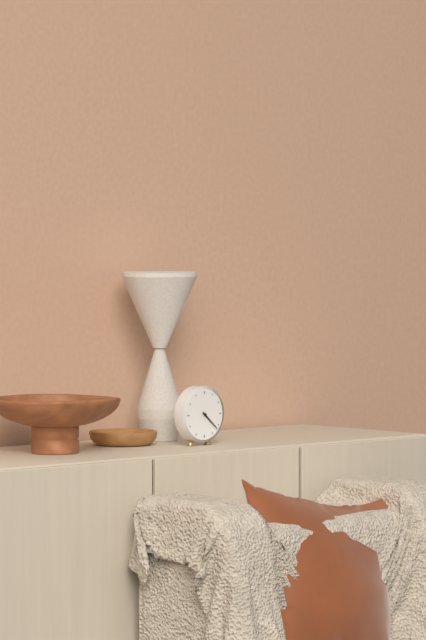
4:22
